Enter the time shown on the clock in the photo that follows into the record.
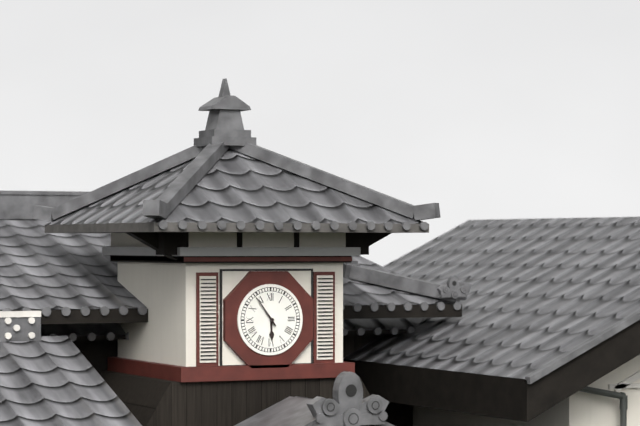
5:54
